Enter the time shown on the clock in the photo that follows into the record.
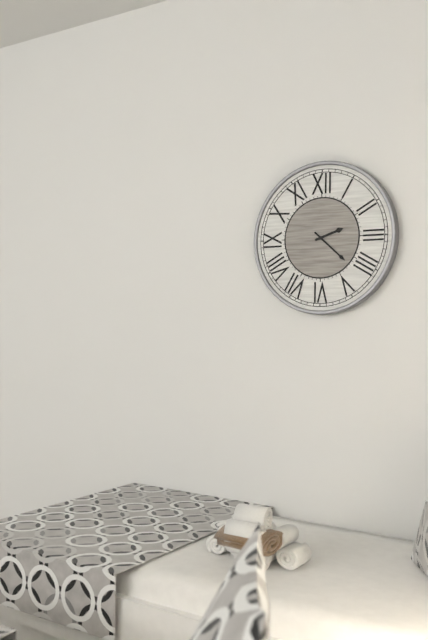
2:22
